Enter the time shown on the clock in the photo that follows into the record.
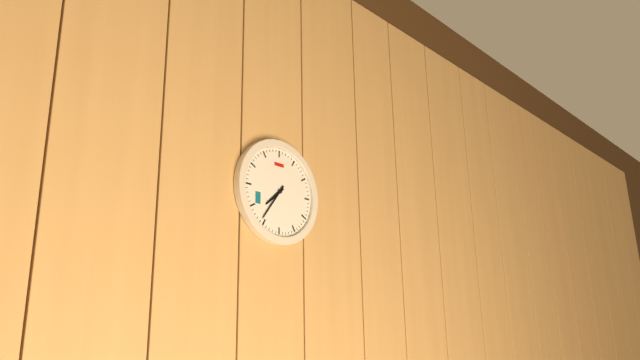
7:36
